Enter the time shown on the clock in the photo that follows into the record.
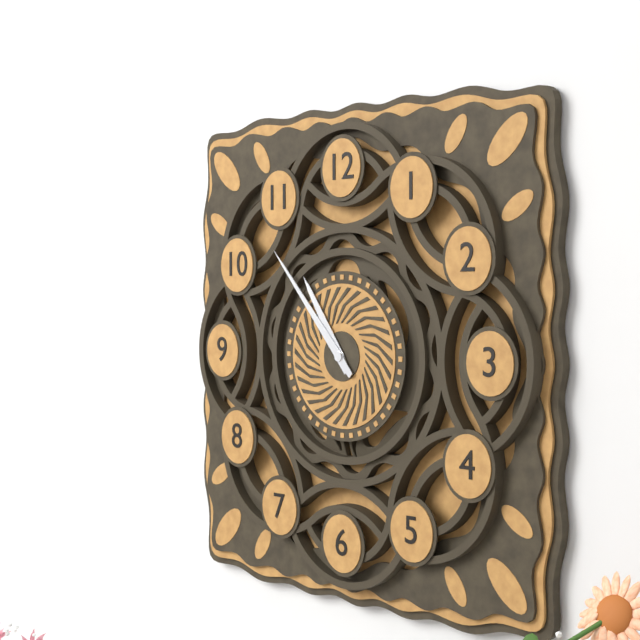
10:53
